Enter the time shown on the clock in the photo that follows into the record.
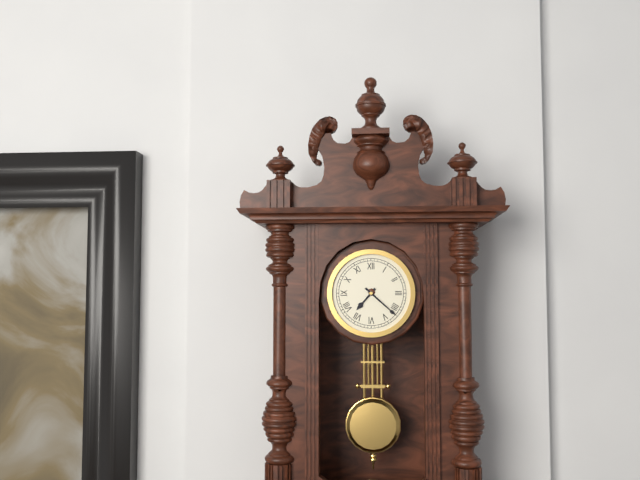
7:22
